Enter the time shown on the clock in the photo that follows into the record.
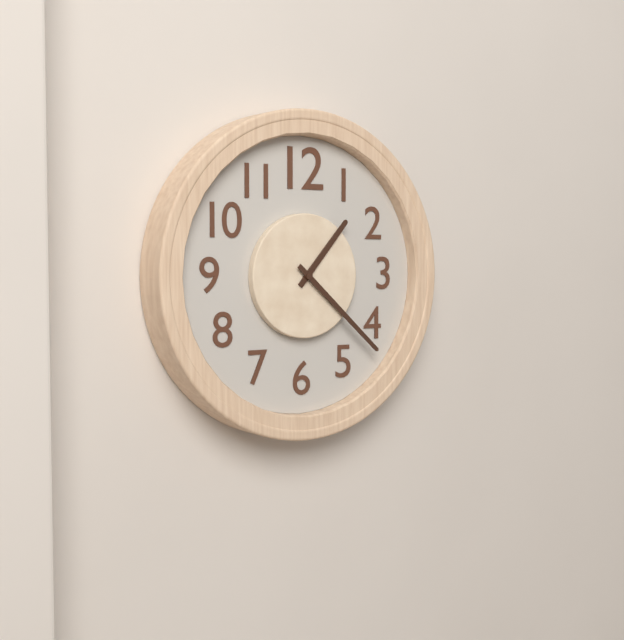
1:22
